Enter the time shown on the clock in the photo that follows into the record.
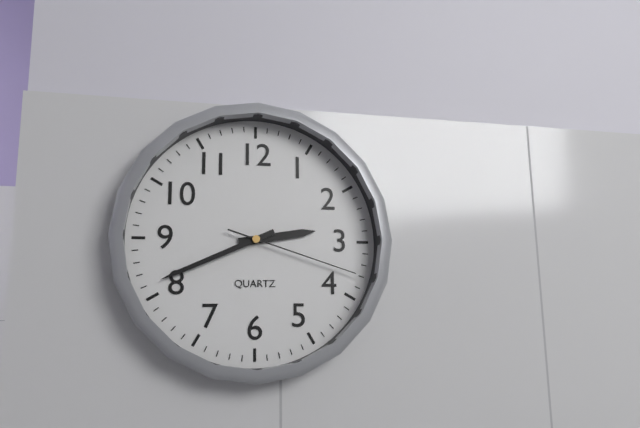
2:41:18
